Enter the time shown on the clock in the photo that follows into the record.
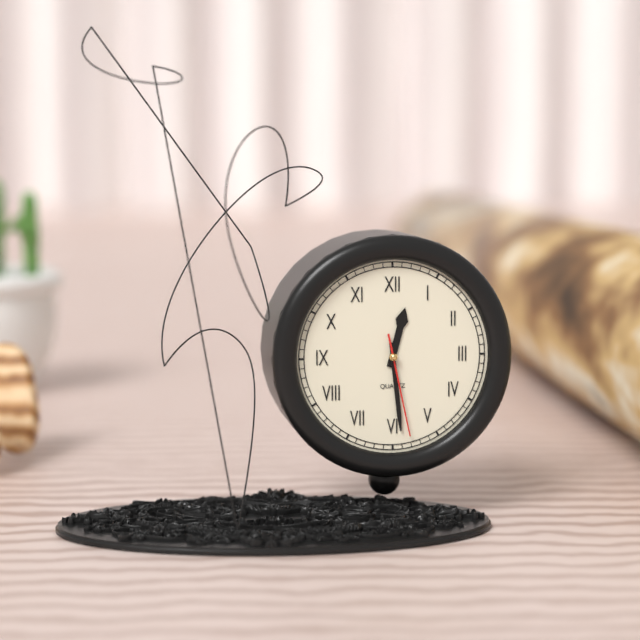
12:29:28
